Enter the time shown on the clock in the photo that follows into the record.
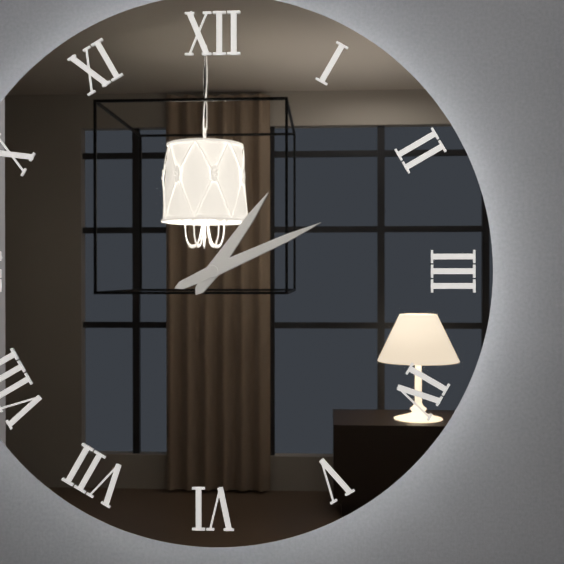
1:11
